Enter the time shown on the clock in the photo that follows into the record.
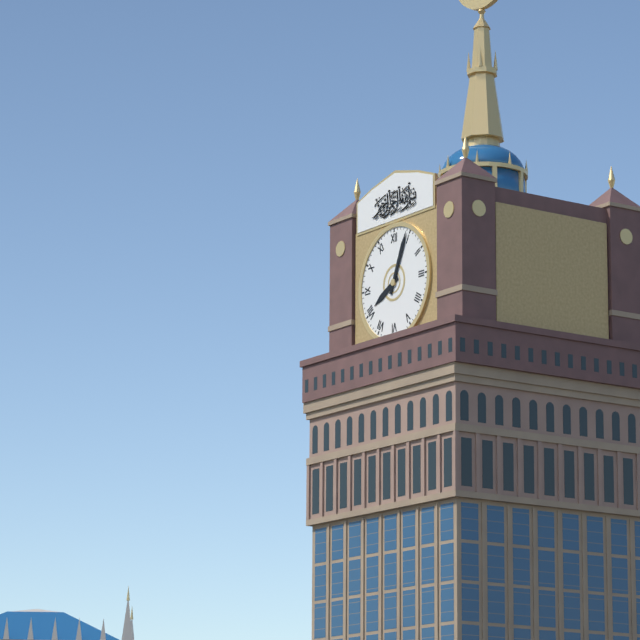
8:04
